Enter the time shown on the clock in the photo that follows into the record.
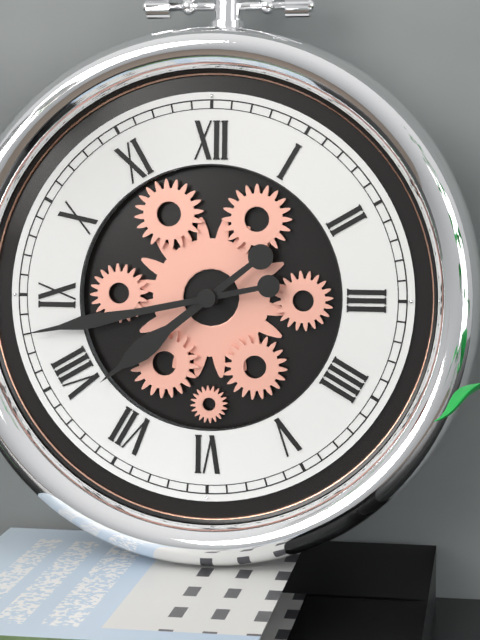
7:43
